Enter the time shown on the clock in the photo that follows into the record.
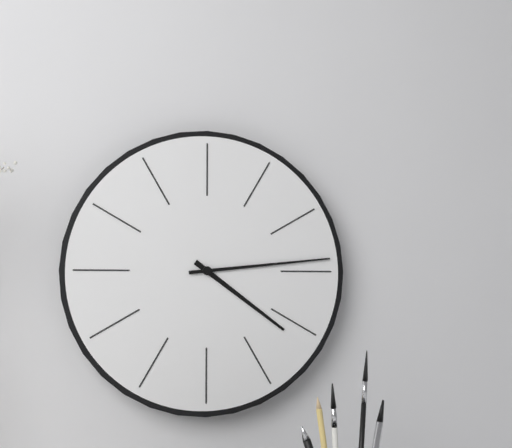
4:14
